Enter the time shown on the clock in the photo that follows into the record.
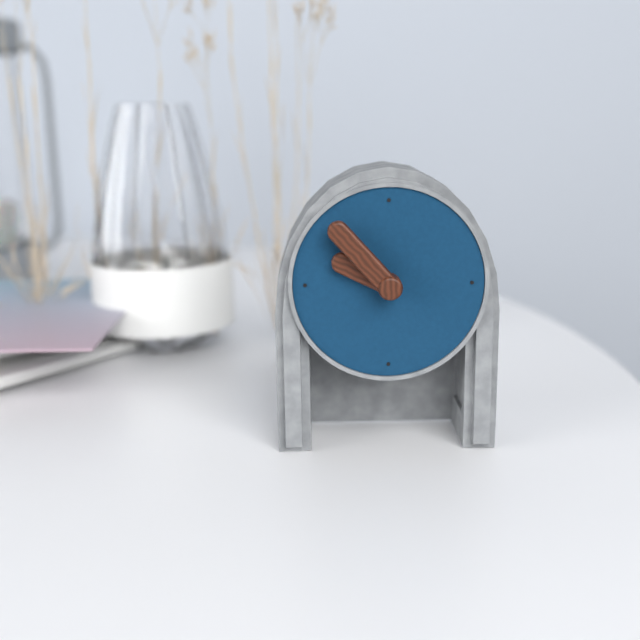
9:53
